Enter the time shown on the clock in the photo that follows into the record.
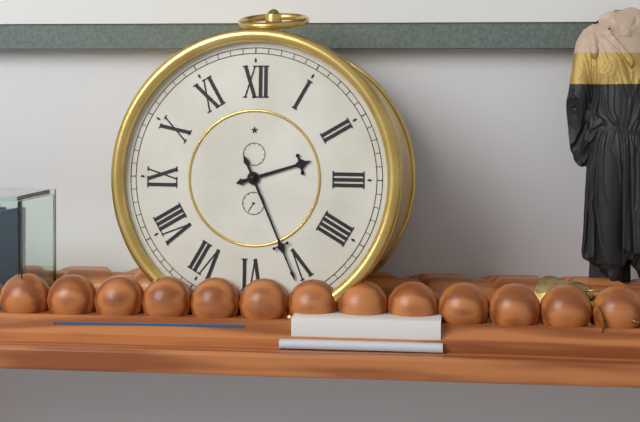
2:26
